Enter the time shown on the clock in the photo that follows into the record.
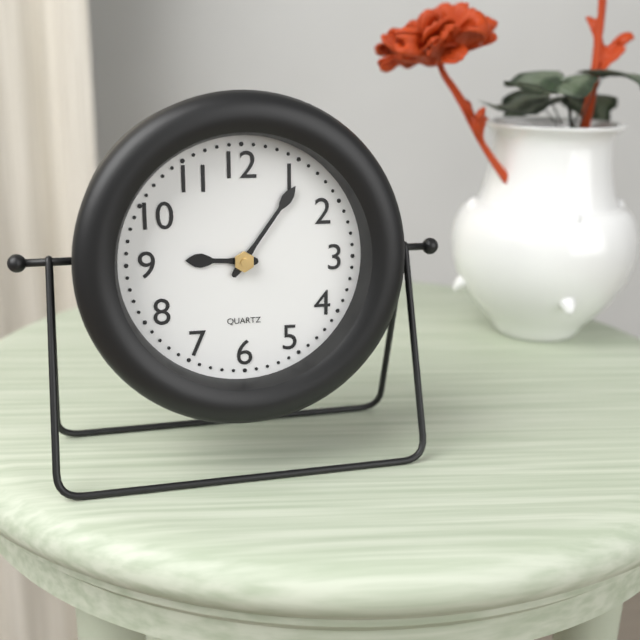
9:06
